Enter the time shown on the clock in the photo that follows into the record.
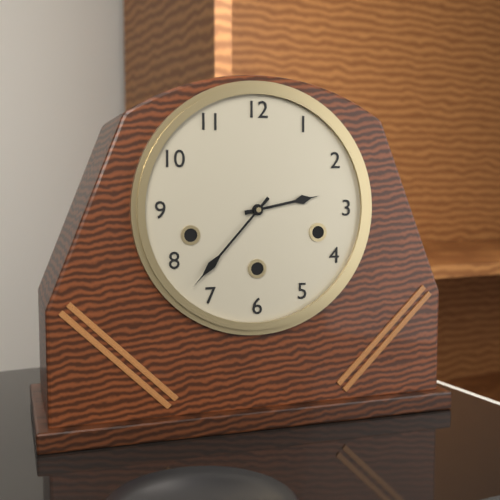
2:37
